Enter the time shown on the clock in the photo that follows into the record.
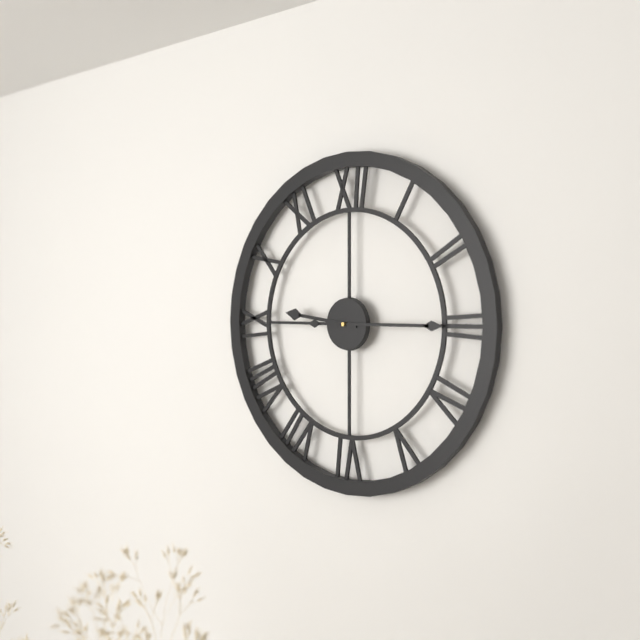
9:15
